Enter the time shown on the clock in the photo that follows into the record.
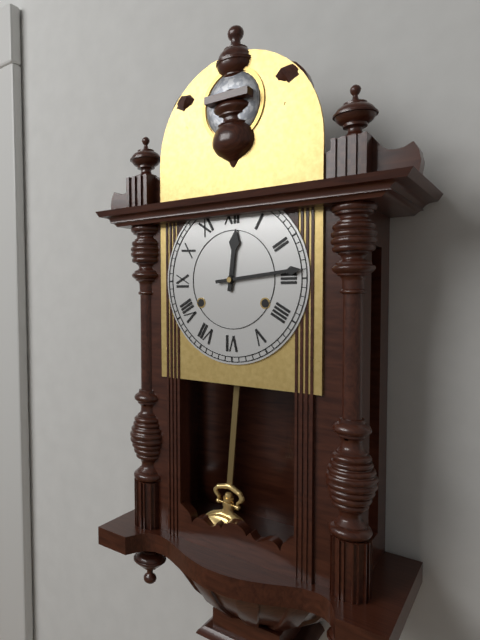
12:14
